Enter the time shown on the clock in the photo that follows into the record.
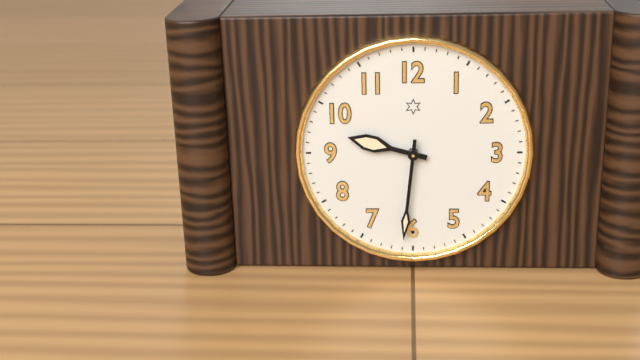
9:31
